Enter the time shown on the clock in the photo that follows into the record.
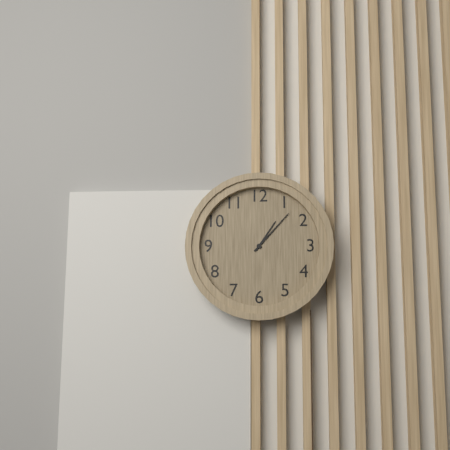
1:07
